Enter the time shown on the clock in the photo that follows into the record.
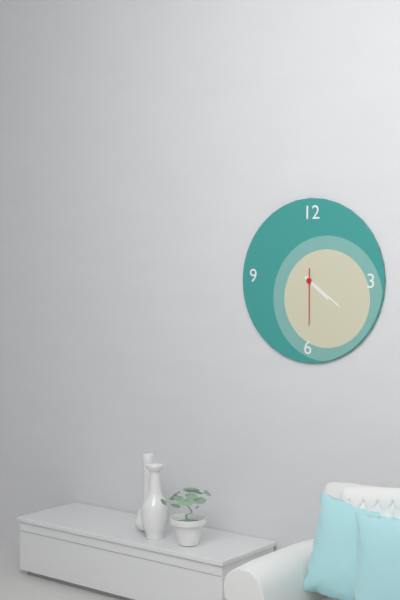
4:21:30
